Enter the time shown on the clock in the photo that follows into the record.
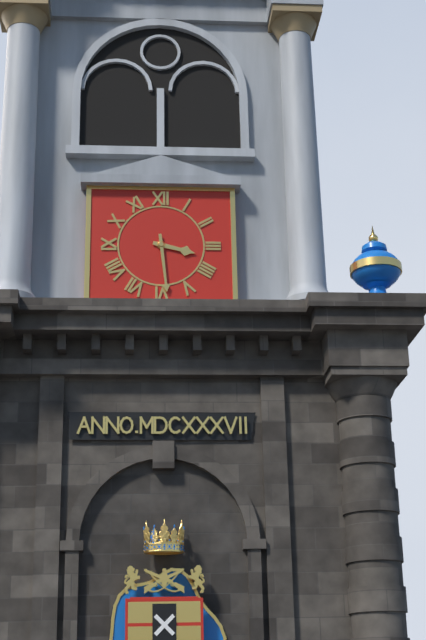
3:29
